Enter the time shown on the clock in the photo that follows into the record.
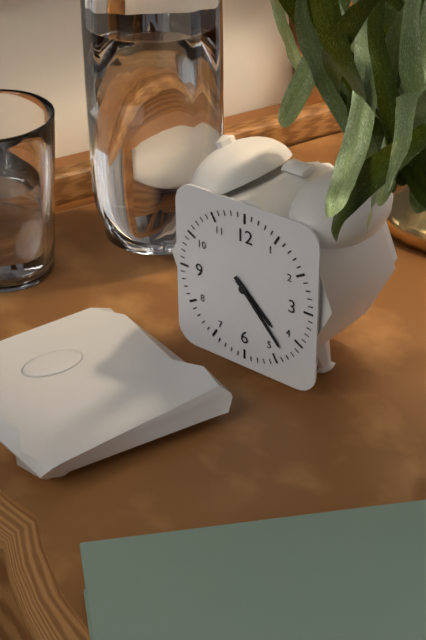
4:23
